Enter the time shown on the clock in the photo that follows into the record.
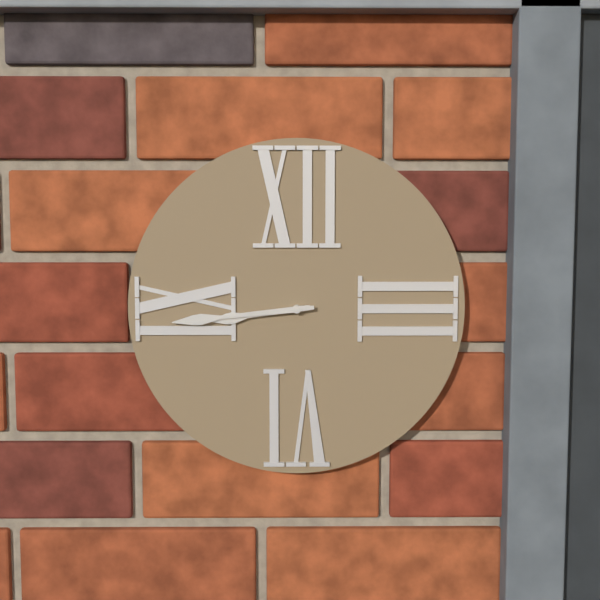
8:44
